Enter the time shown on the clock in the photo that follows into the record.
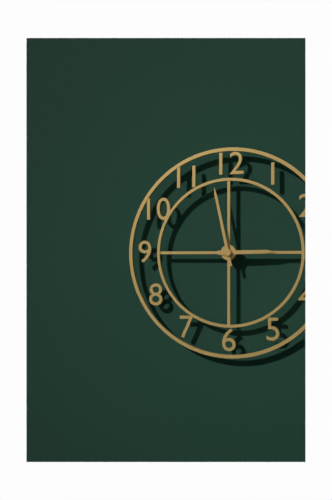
2:58
